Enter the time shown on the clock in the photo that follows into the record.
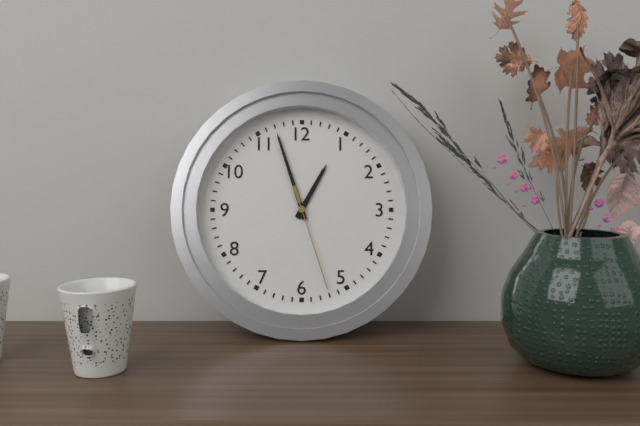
12:57:27
